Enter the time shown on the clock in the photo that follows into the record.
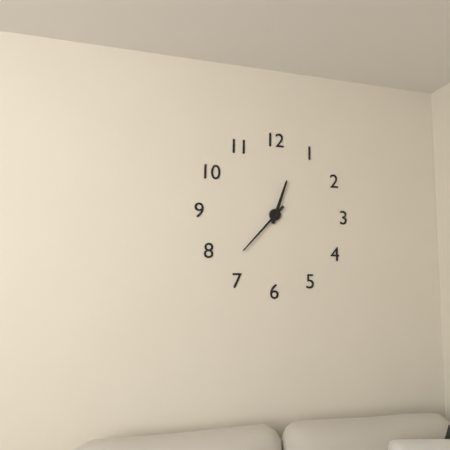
12:37
